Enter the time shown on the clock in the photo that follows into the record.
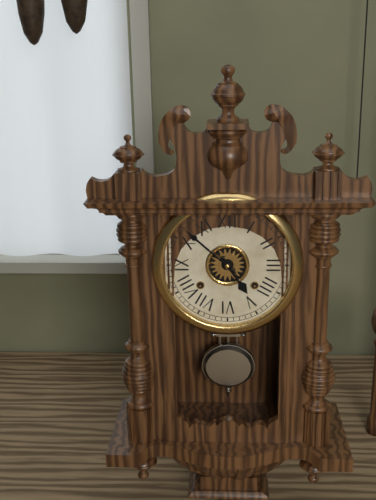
4:52
